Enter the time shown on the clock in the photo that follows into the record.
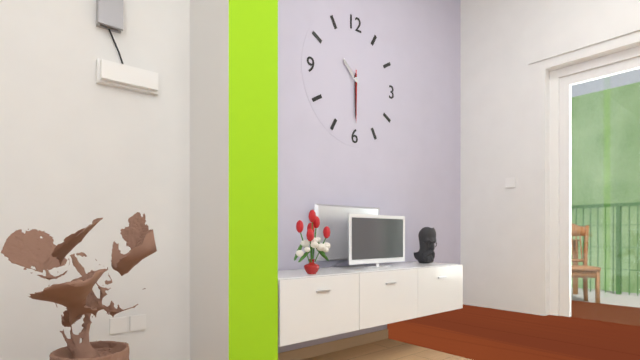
10:30:30
